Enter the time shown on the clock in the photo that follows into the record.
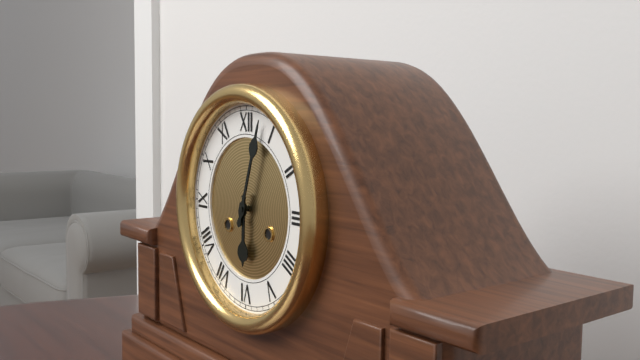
6:03
